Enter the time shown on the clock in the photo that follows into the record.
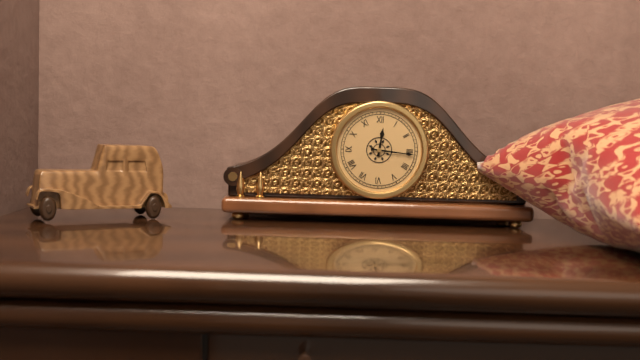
12:16
